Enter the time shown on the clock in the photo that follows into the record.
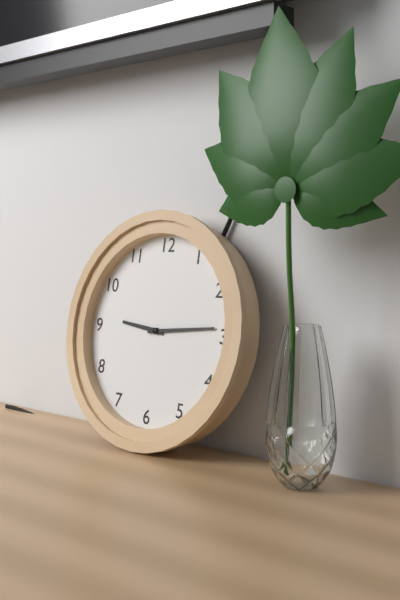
9:14
